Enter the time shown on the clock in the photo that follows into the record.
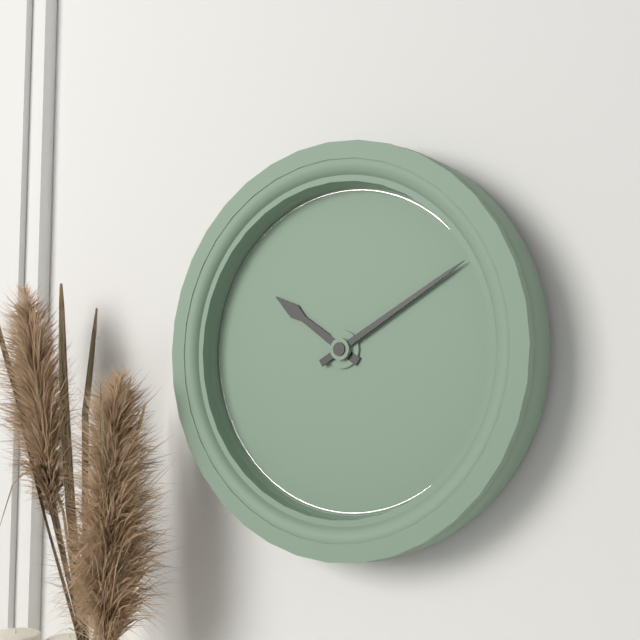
10:10
